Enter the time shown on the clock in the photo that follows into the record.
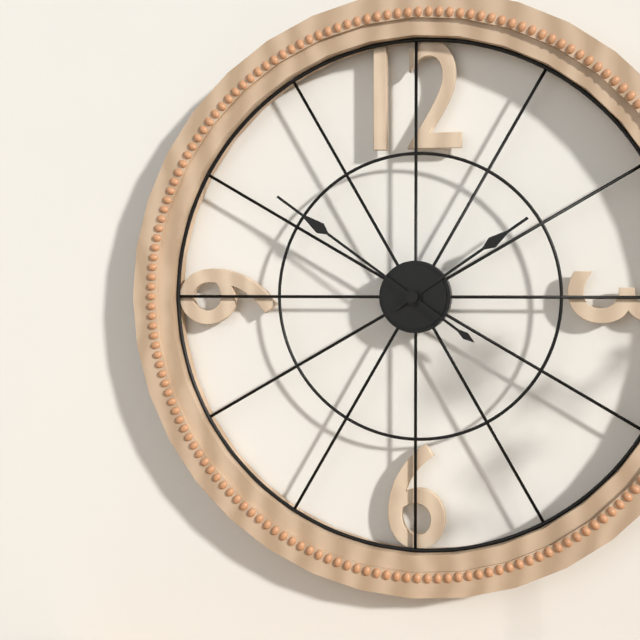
1:51
